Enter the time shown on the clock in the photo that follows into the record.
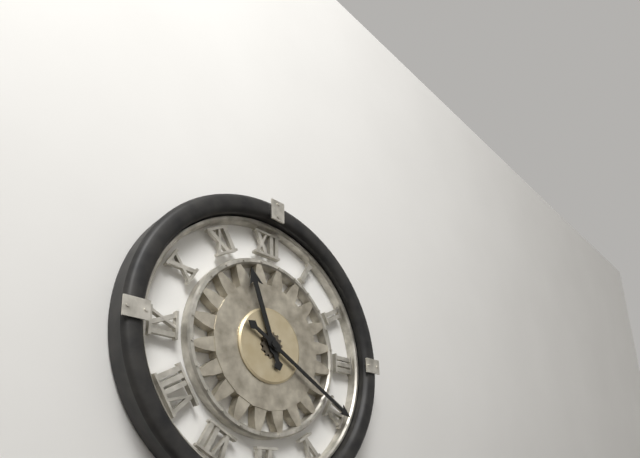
11:20
